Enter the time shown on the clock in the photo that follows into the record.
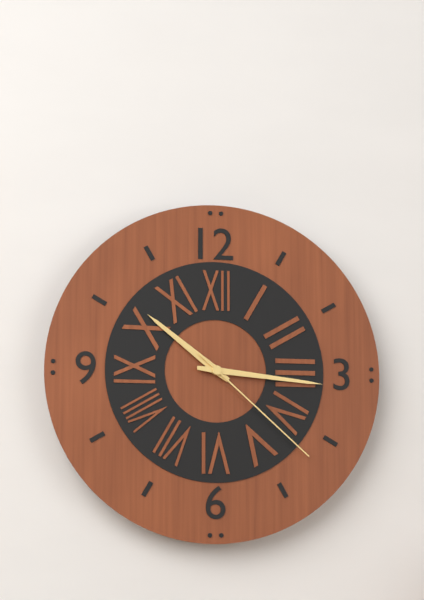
10:16:22
